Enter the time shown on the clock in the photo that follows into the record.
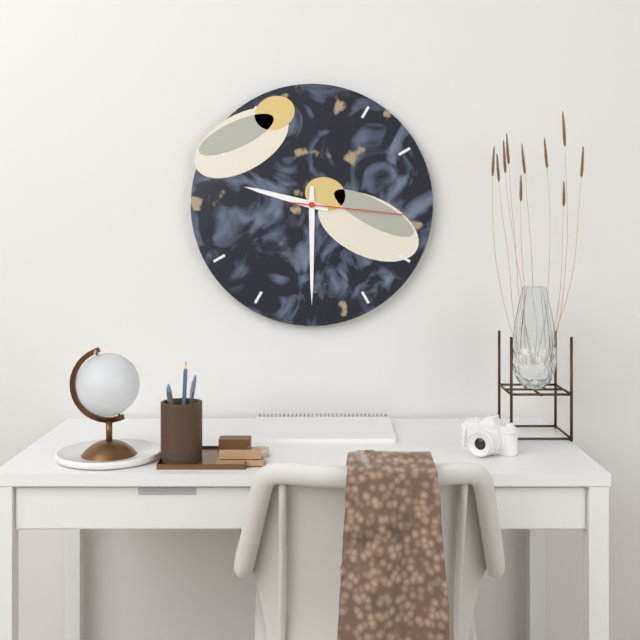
9:30:16
